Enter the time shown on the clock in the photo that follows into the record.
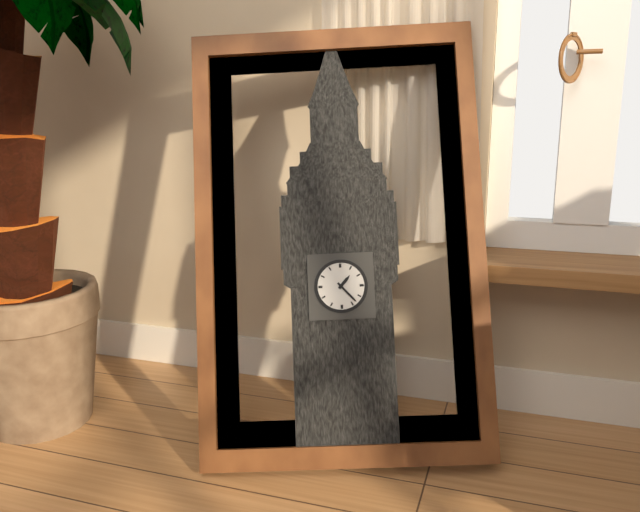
1:23
